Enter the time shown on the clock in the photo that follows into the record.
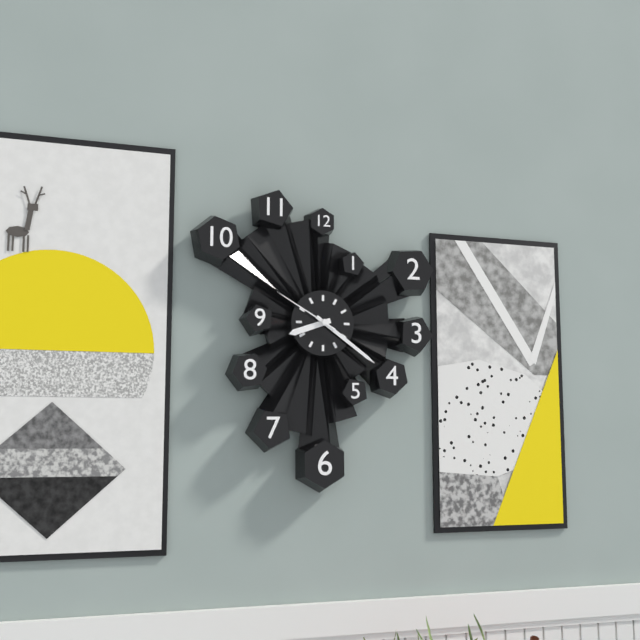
8:21:50
